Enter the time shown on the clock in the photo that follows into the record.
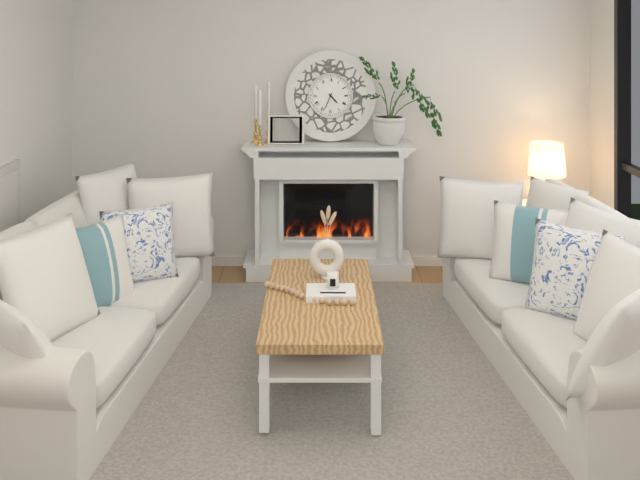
4:34
